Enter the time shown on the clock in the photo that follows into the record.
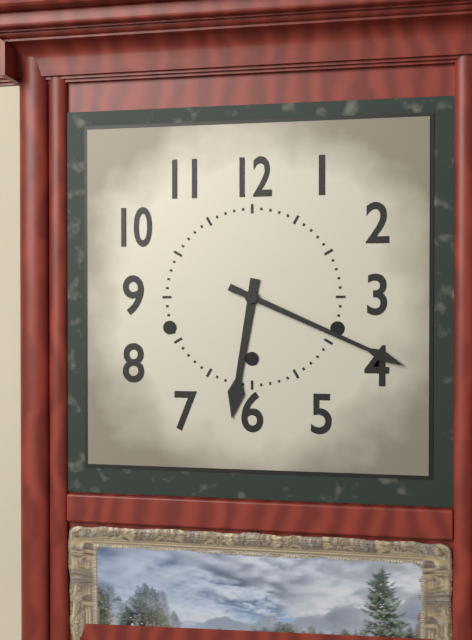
6:19
